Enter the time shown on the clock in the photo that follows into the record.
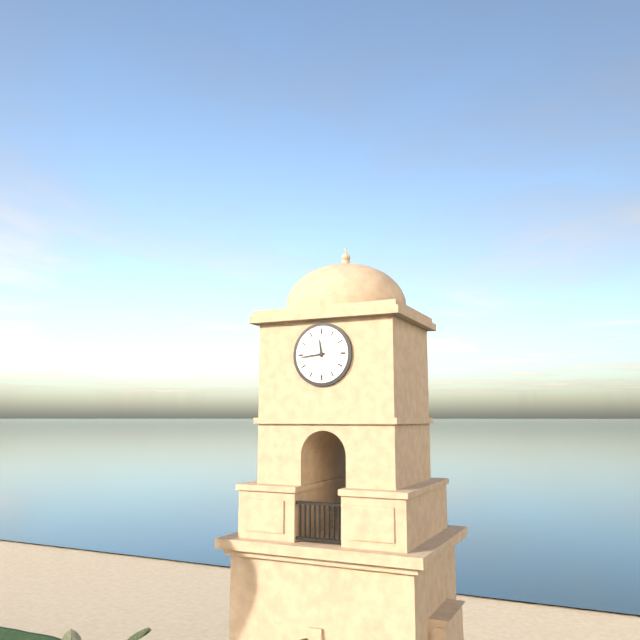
11:44
